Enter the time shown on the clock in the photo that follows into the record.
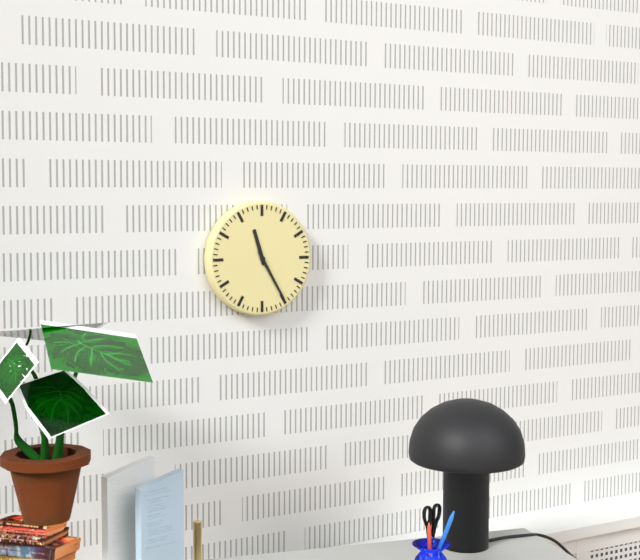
11:25
